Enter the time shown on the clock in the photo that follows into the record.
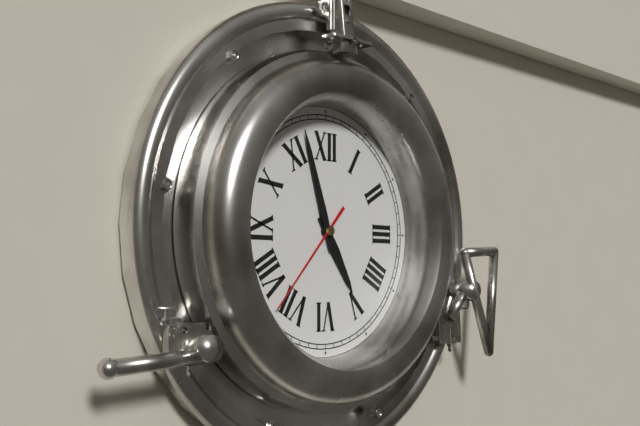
4:57:37
